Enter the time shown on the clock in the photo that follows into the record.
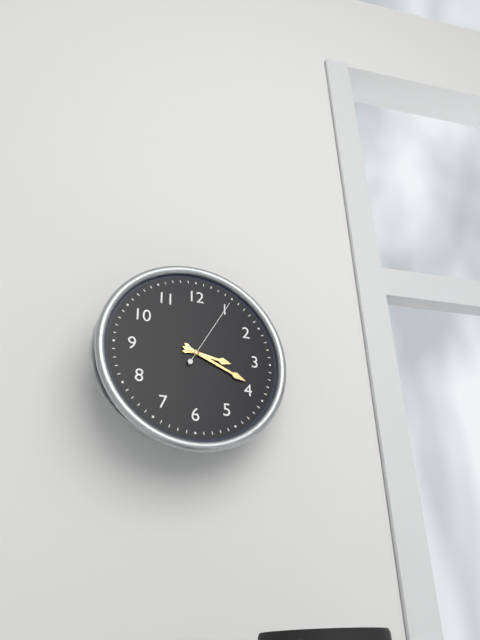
3:19:05
